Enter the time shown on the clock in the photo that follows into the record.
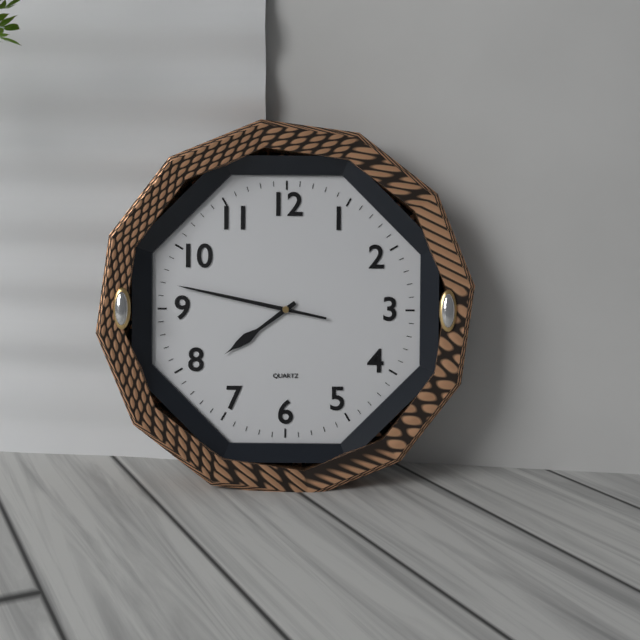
7:47
